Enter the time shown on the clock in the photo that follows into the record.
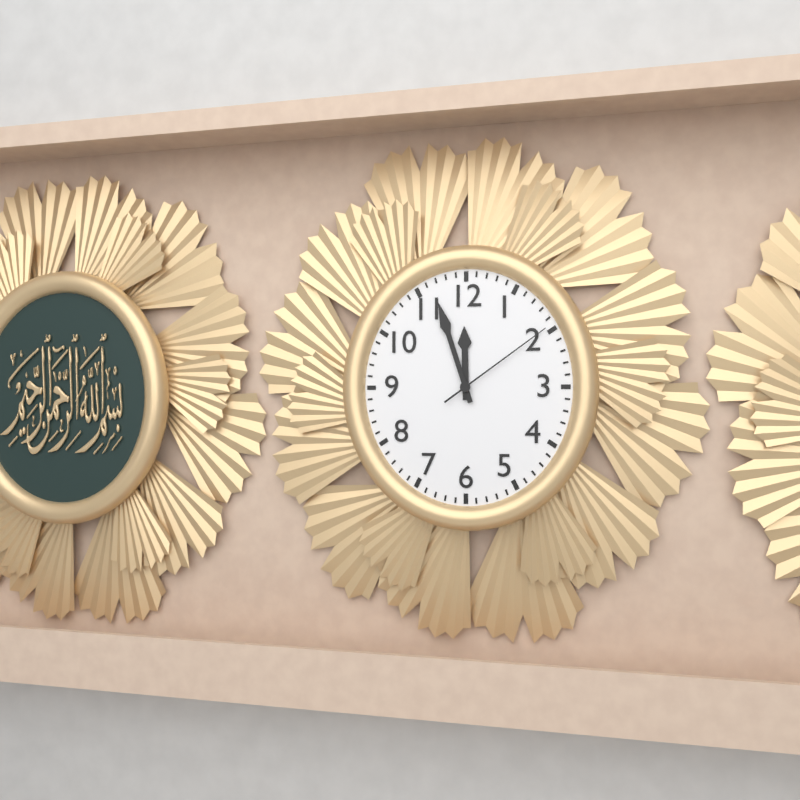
11:57:09
